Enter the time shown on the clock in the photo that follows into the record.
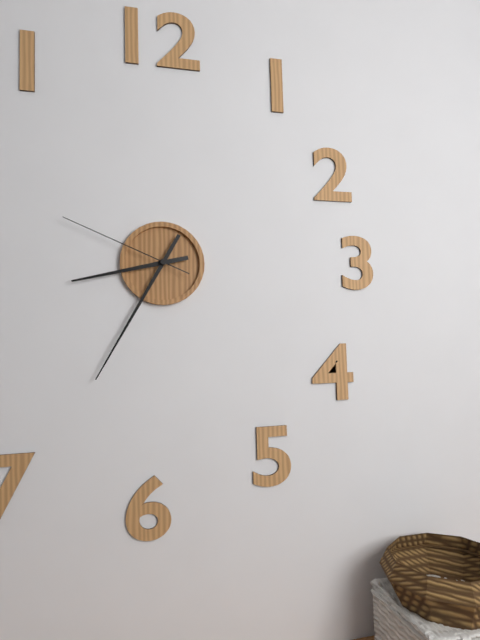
8:35:49
